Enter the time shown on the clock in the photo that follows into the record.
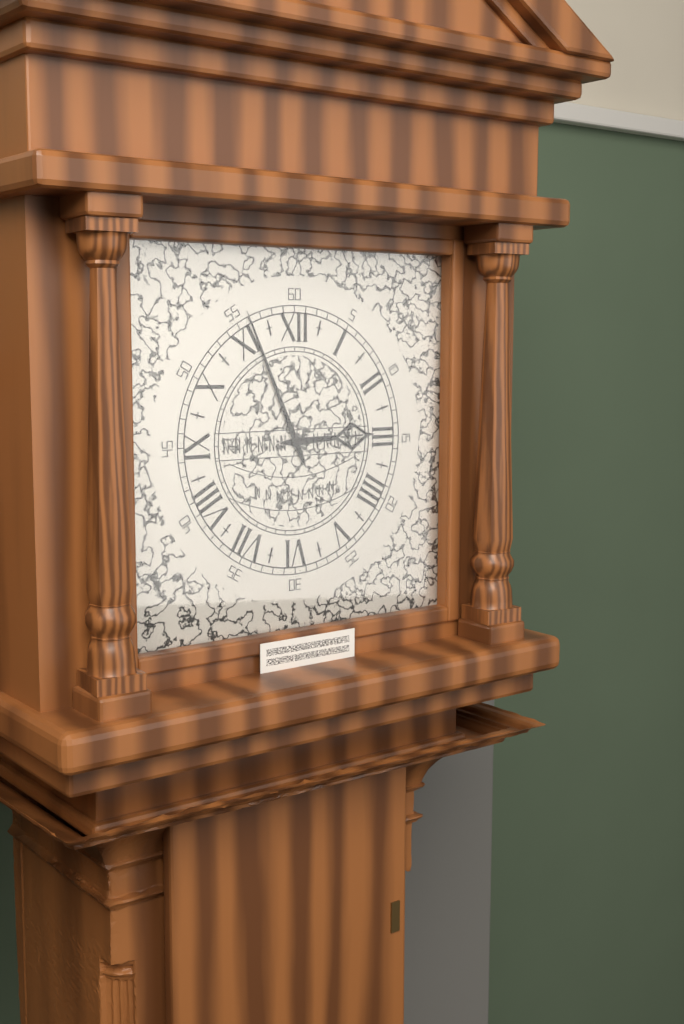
2:56
